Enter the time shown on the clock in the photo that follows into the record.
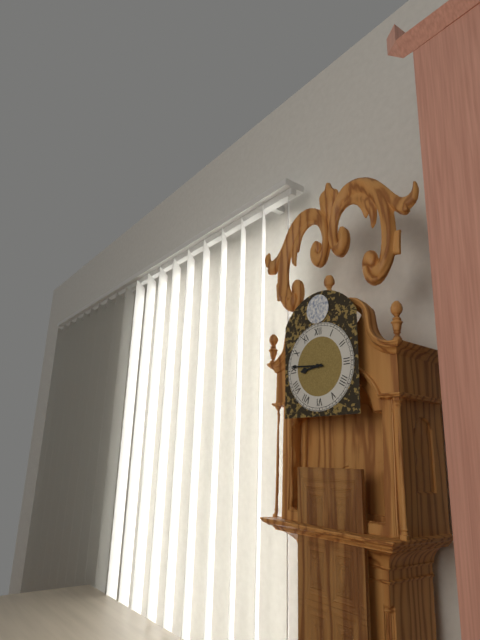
8:46
